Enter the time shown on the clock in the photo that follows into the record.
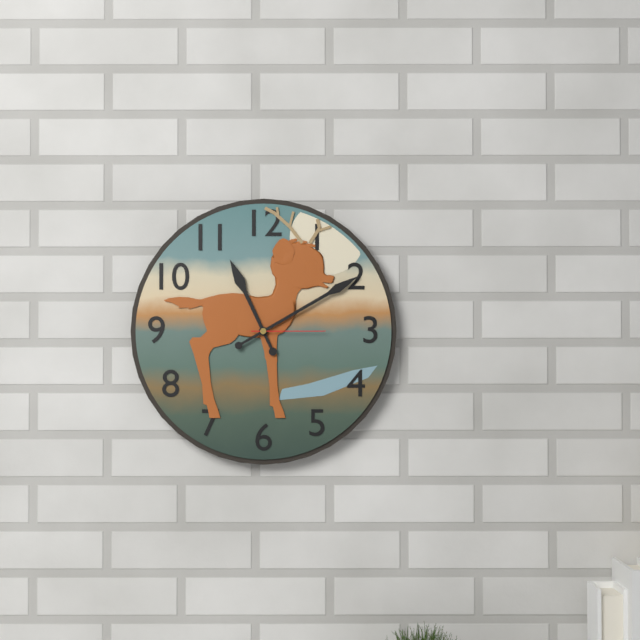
11:10:15
